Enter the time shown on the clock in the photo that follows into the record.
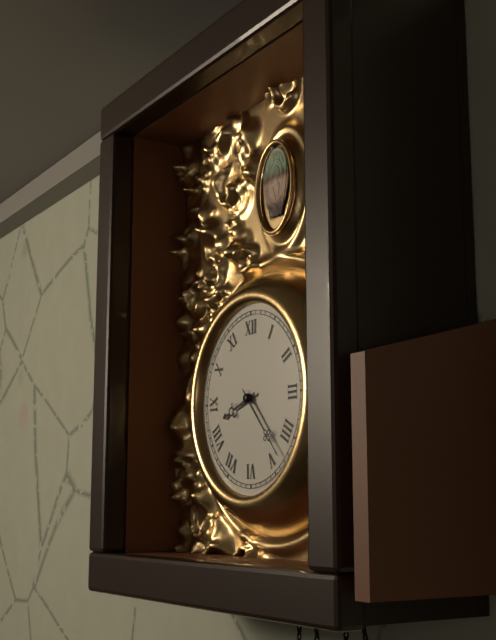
8:23
